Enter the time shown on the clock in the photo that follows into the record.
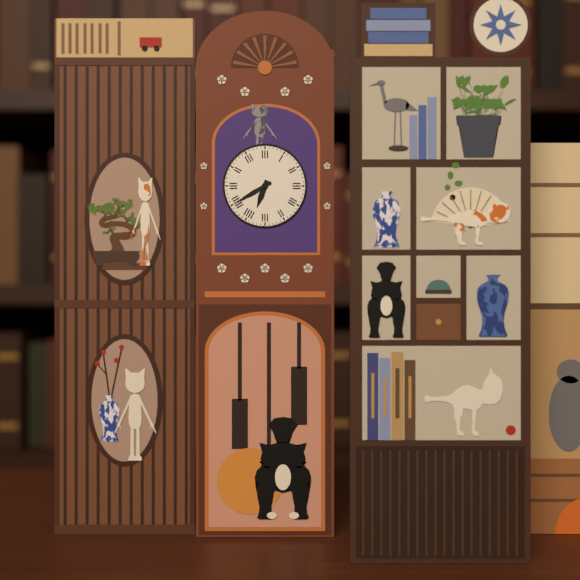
6:40
